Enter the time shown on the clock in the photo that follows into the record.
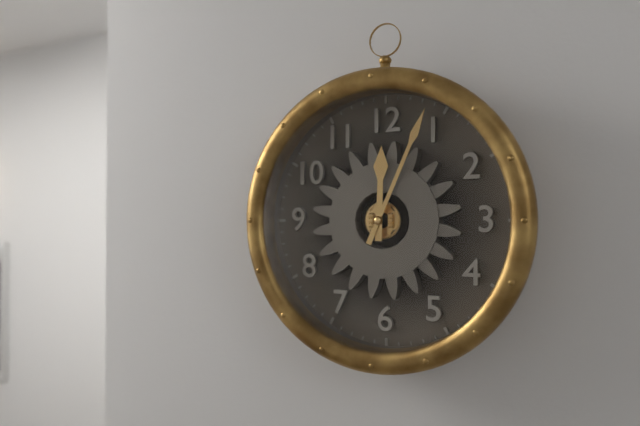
12:04
